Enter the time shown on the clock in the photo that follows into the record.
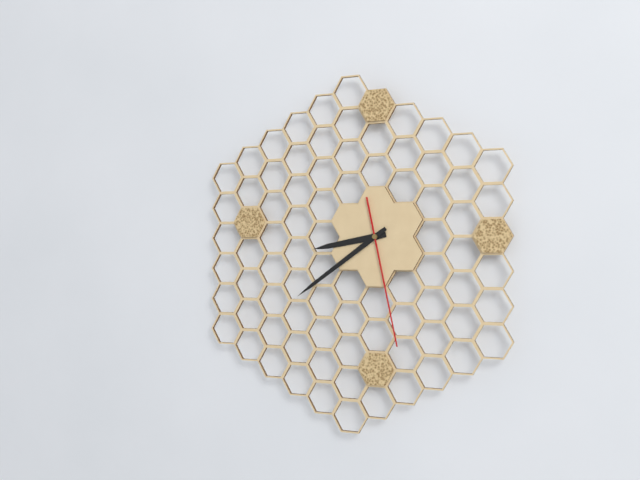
8:39:28
